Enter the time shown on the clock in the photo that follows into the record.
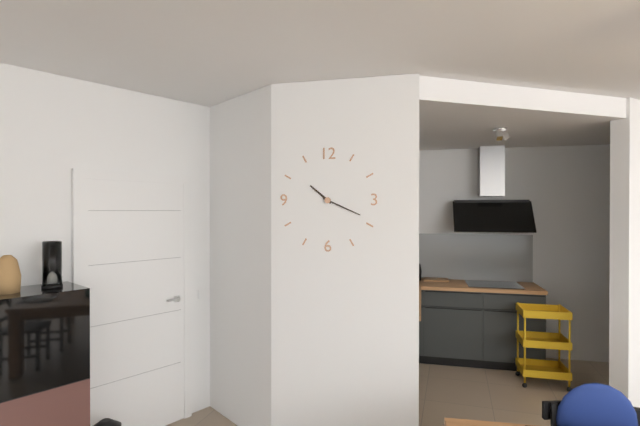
10:19
